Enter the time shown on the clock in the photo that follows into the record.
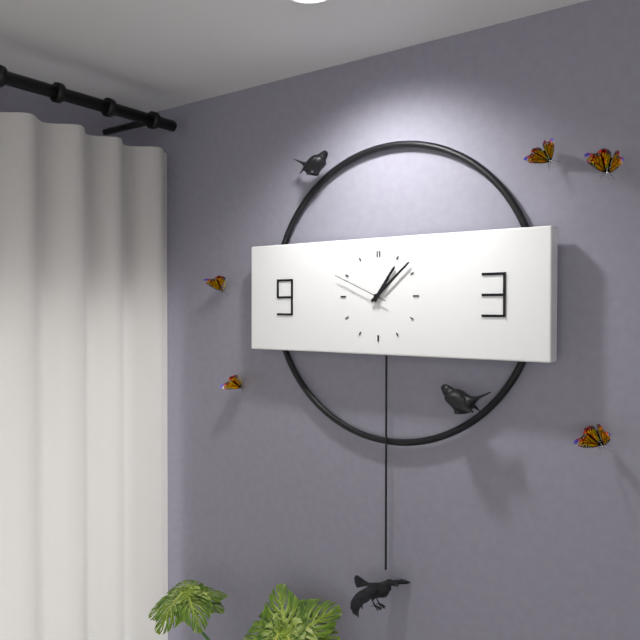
1:08:49
